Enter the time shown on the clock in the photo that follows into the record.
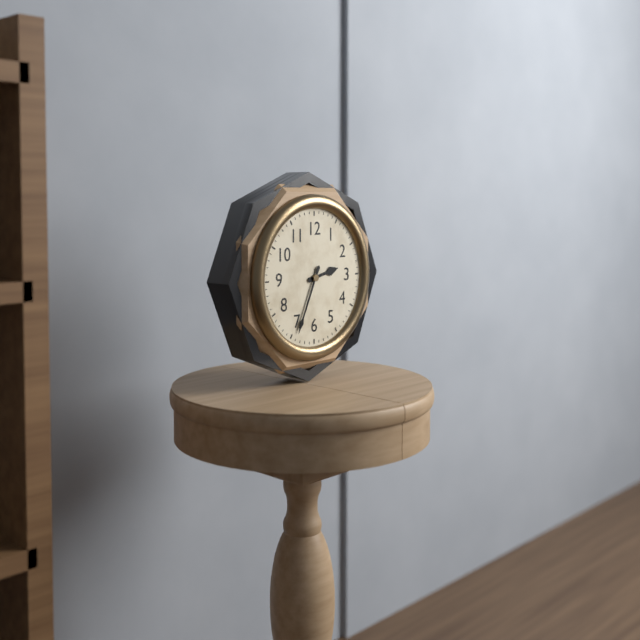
2:34
